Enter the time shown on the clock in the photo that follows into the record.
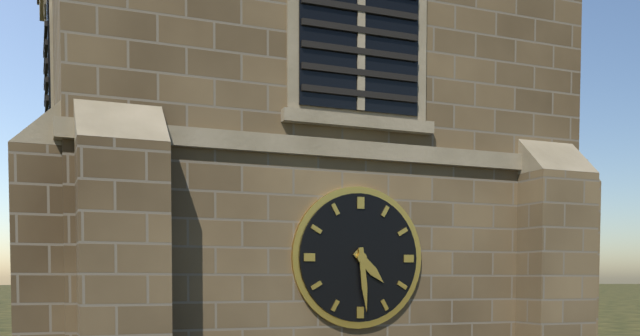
4:29
